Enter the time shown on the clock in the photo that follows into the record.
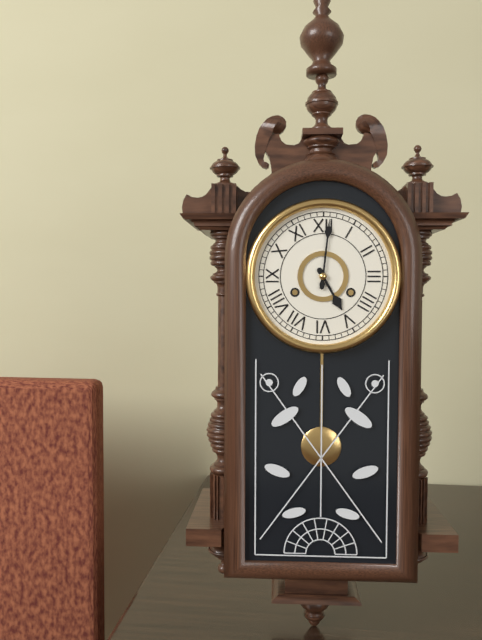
5:01
